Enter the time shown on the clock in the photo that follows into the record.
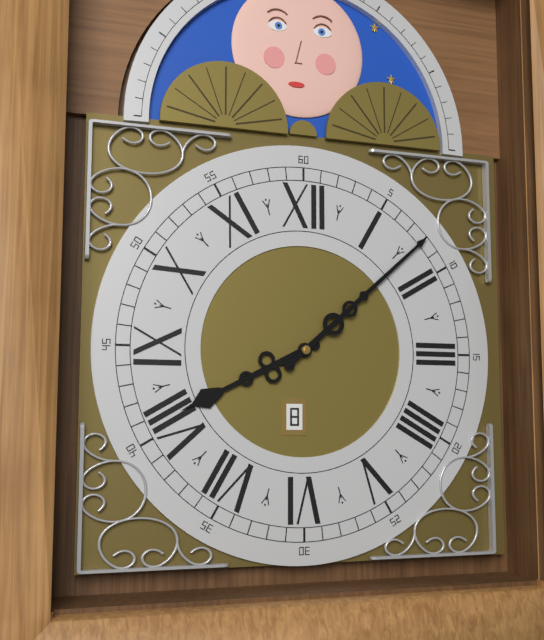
8:08
